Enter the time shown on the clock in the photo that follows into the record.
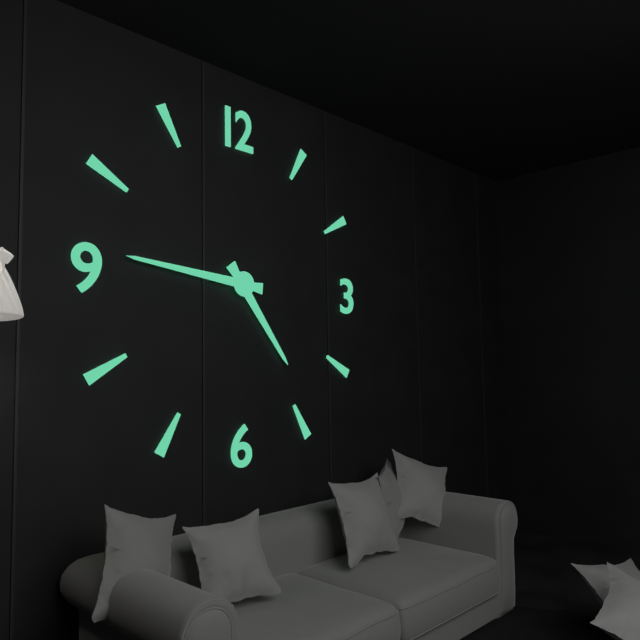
4:46
